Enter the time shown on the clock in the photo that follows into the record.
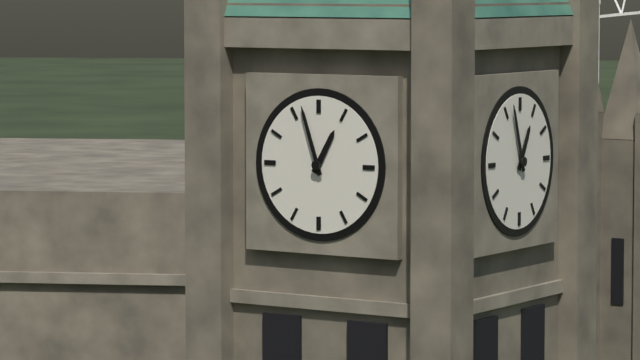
12:57
